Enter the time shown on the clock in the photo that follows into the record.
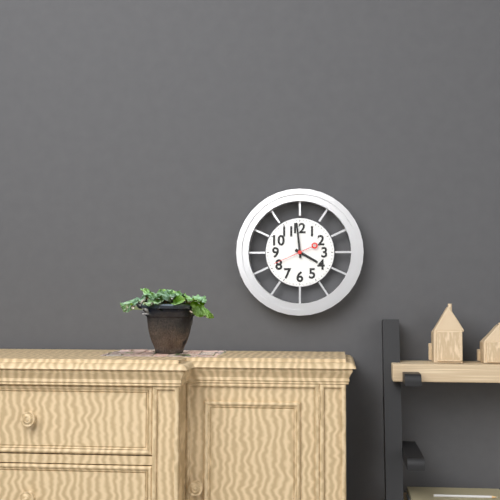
3:59
